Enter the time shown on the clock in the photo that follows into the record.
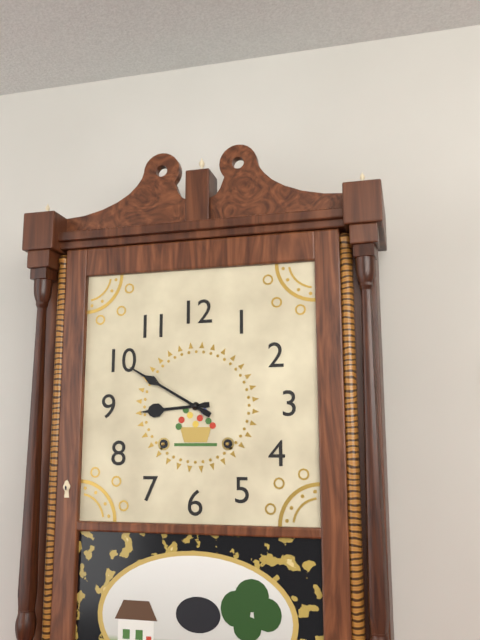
8:50
